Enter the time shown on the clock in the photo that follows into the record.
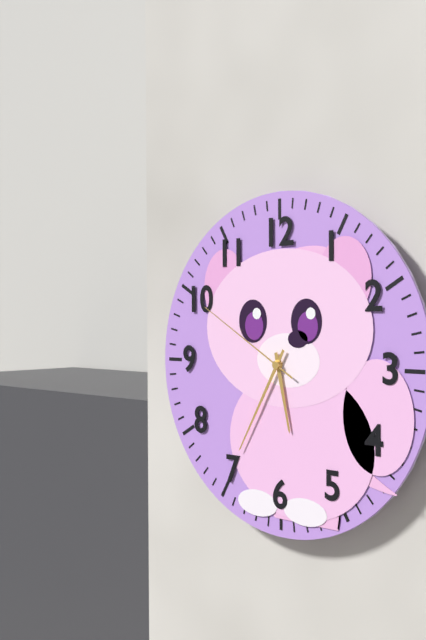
5:35:50
